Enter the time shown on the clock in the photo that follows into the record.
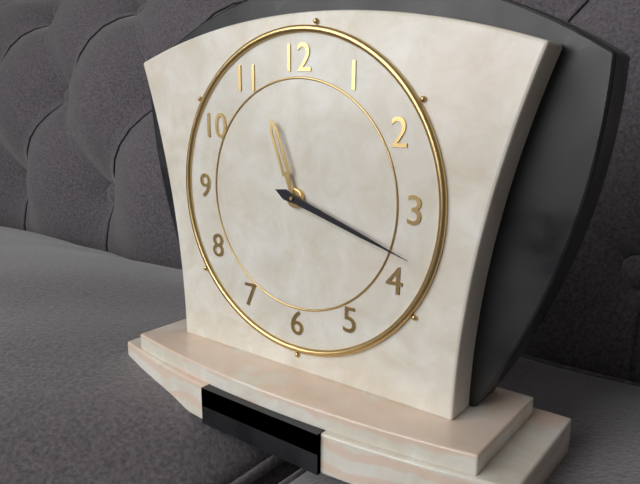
11:18
